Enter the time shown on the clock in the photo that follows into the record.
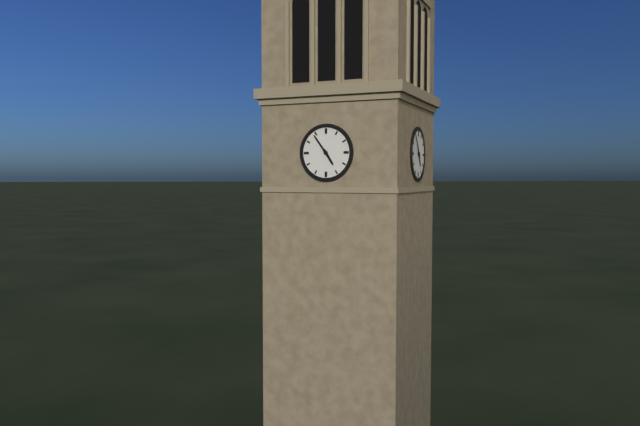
4:54
